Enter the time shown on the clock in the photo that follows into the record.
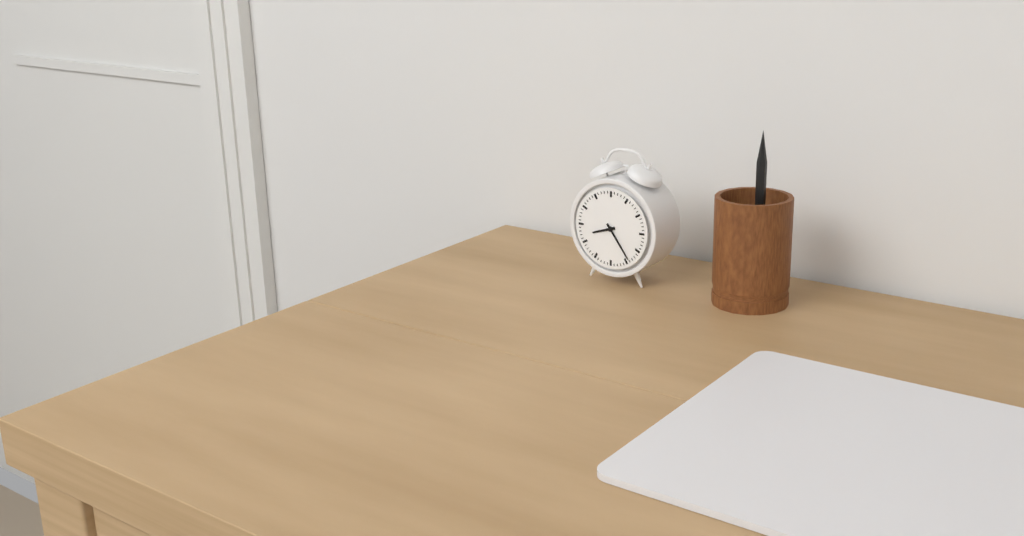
8:24
